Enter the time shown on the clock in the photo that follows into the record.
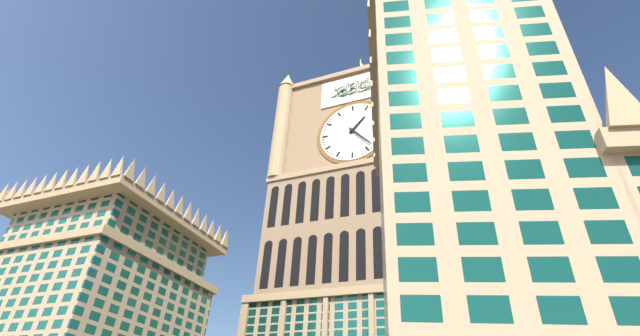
1:23
